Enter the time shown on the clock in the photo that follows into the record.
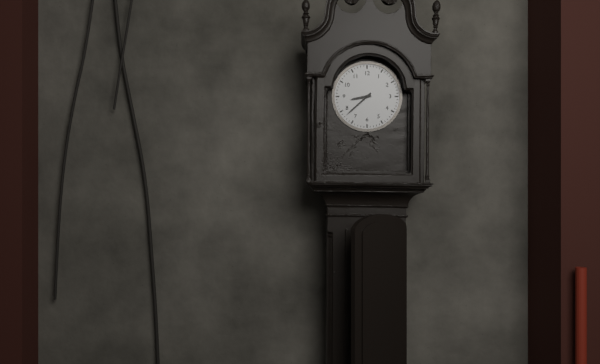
8:38
